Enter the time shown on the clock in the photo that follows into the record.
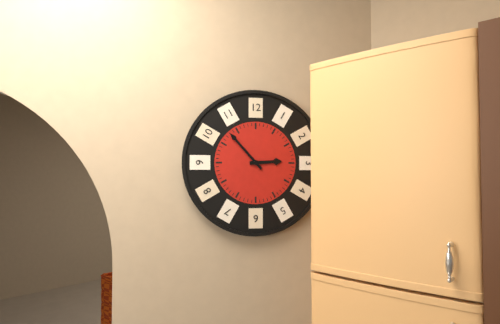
2:53
